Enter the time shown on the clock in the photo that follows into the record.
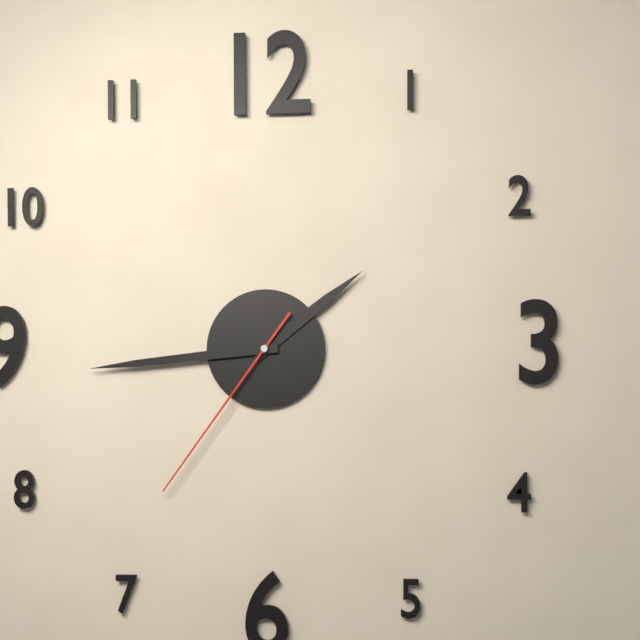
1:44:36
